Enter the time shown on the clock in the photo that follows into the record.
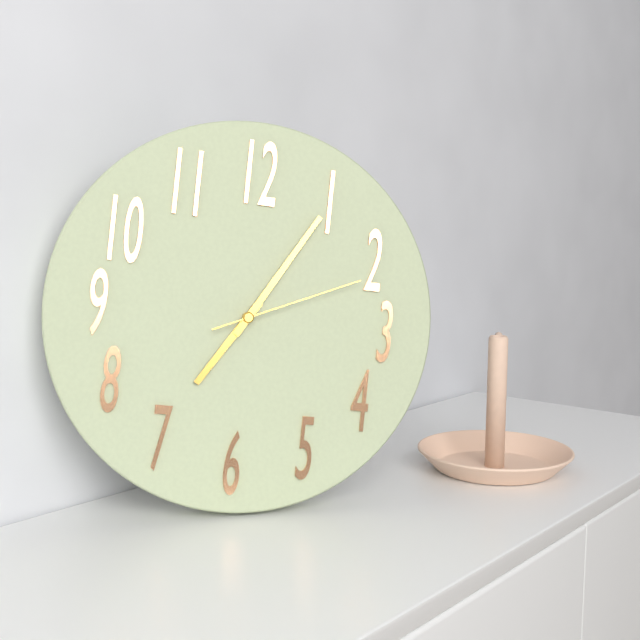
7:05:11
